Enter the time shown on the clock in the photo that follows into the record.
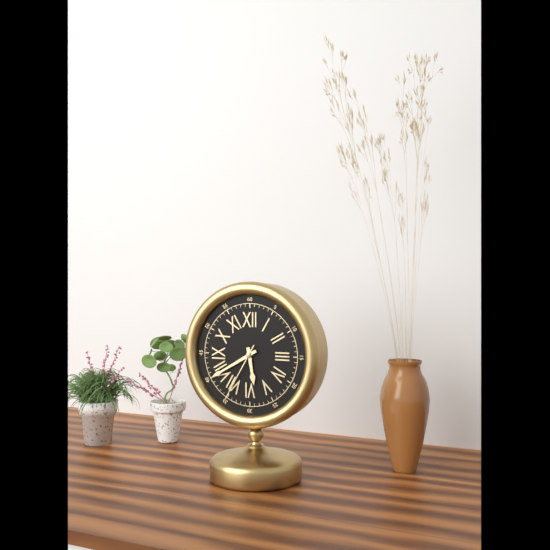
5:40:35
